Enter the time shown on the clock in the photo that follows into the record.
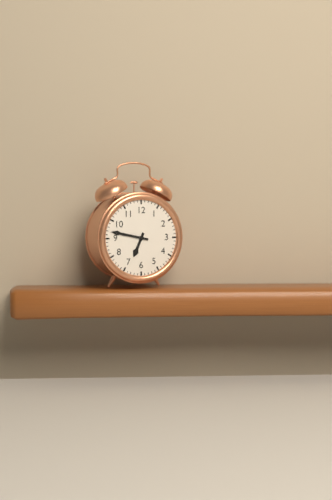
6:47
